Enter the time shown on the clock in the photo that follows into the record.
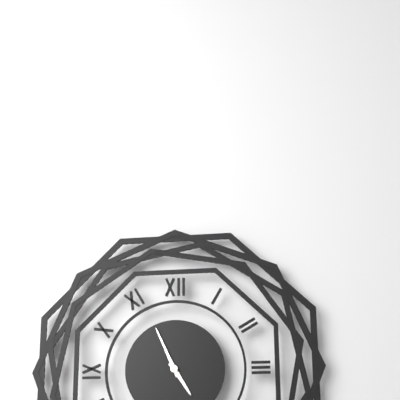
4:56
